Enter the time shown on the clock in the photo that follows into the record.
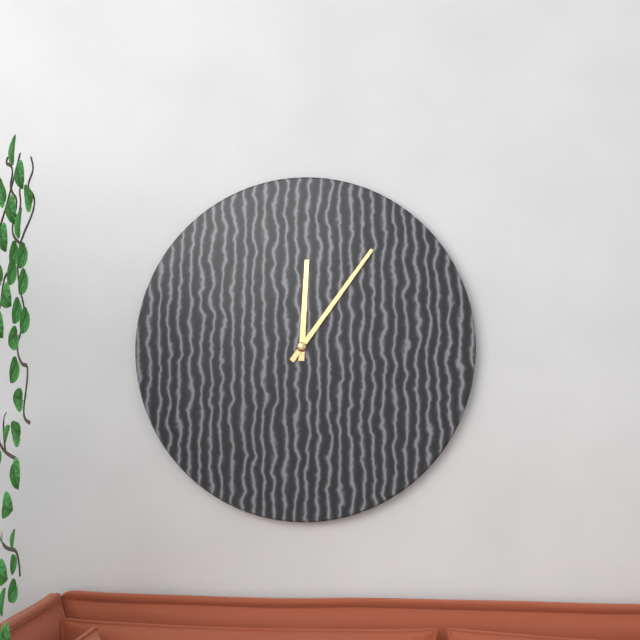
12:06
